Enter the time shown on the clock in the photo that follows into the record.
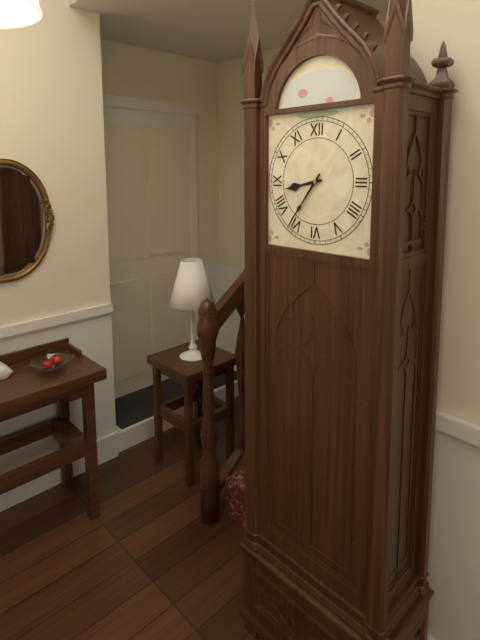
8:36
